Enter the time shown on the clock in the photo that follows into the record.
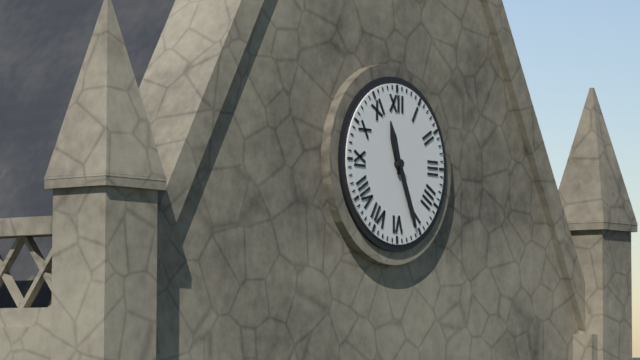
11:26
